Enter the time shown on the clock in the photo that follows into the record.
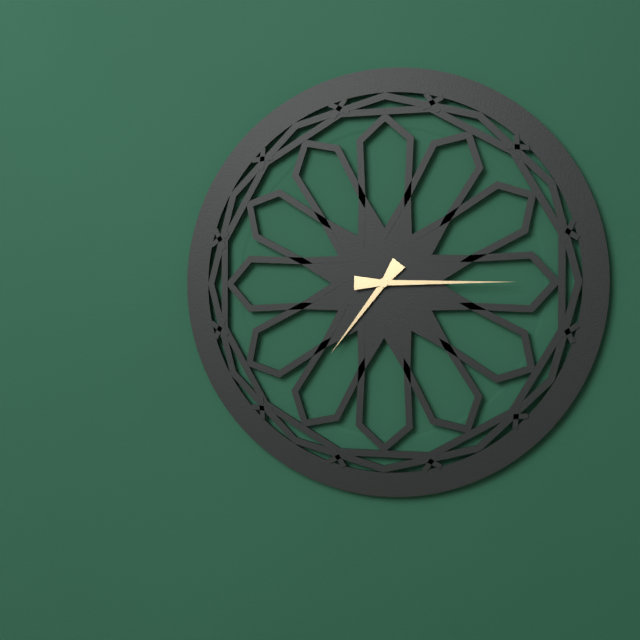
7:15
